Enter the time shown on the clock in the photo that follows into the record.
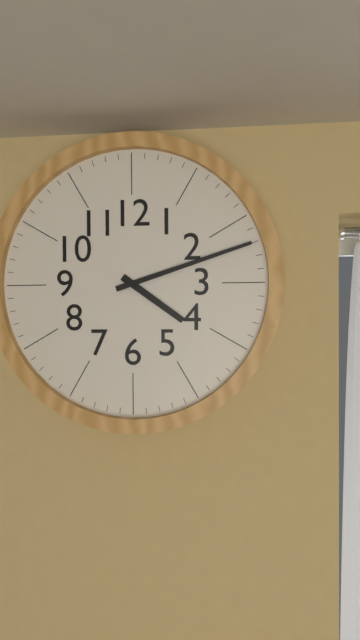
4:12
